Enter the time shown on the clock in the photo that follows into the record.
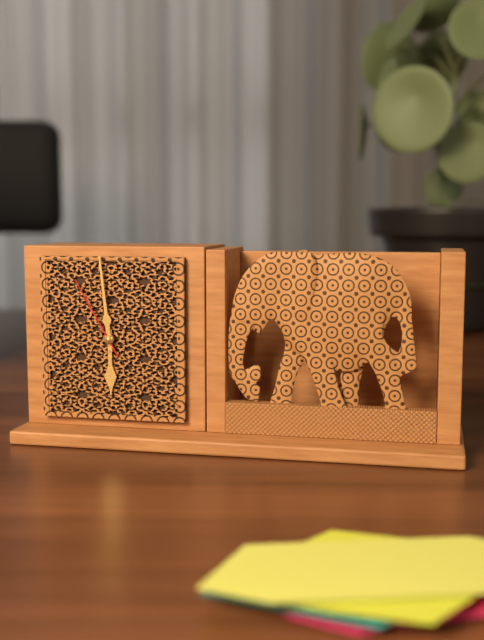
5:59:55
